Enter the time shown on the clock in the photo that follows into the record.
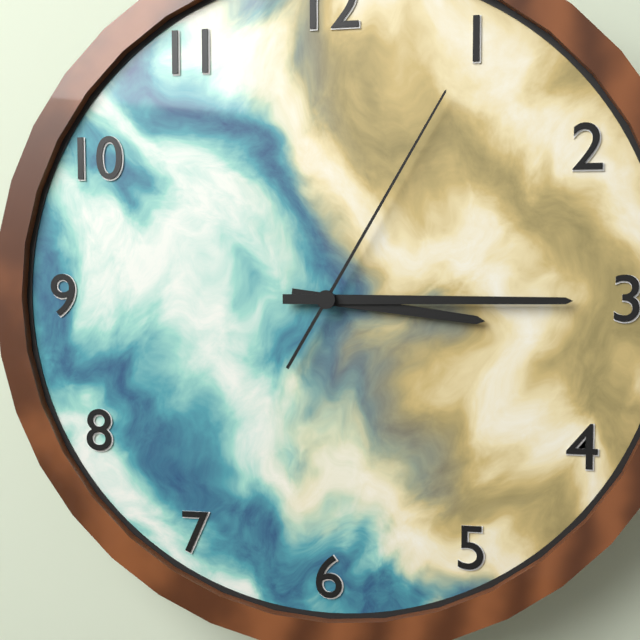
3:15:05
